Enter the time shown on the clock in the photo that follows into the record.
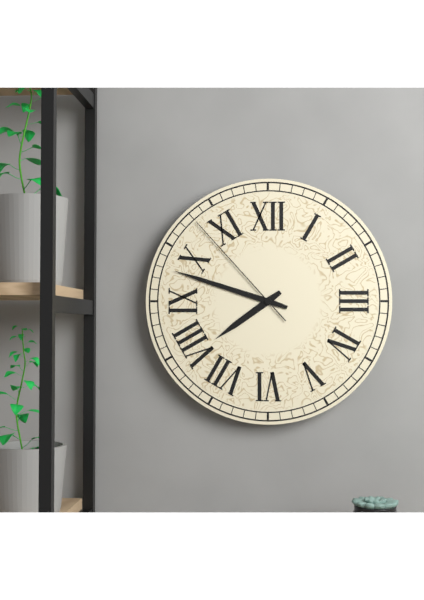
7:48:53
